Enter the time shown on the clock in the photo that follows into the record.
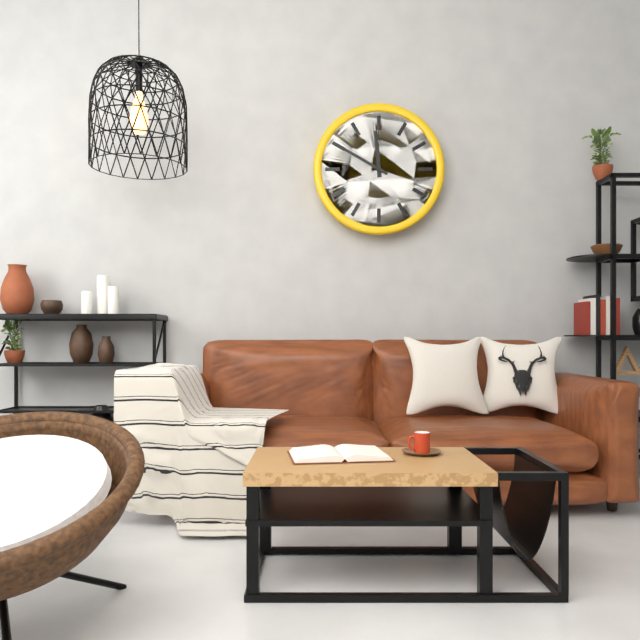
11:50
